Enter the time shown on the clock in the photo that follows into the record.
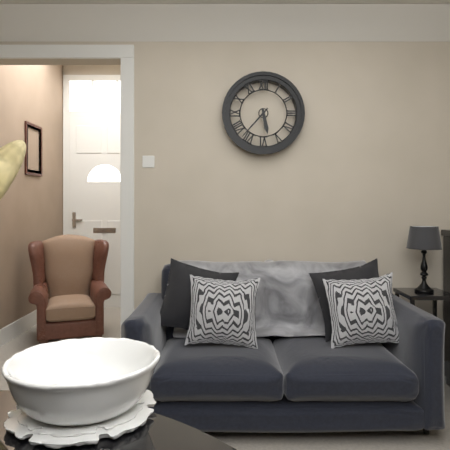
5:37
